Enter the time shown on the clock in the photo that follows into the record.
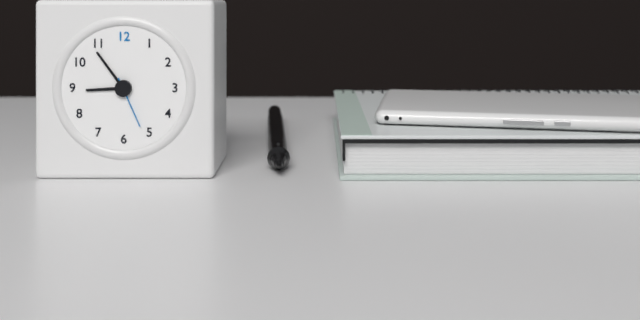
8:54:26
